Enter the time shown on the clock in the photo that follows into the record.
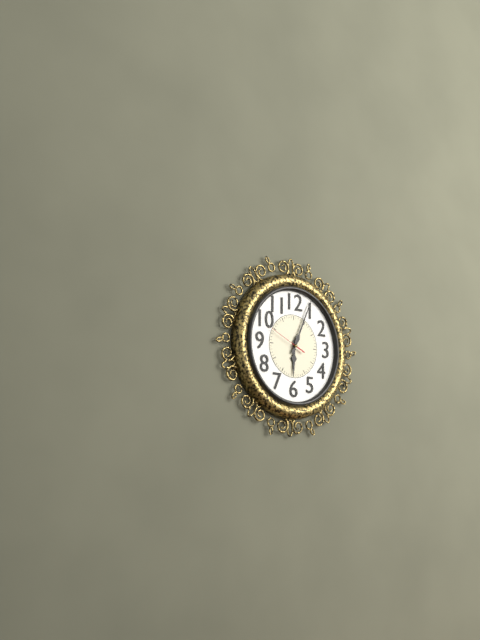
6:04
